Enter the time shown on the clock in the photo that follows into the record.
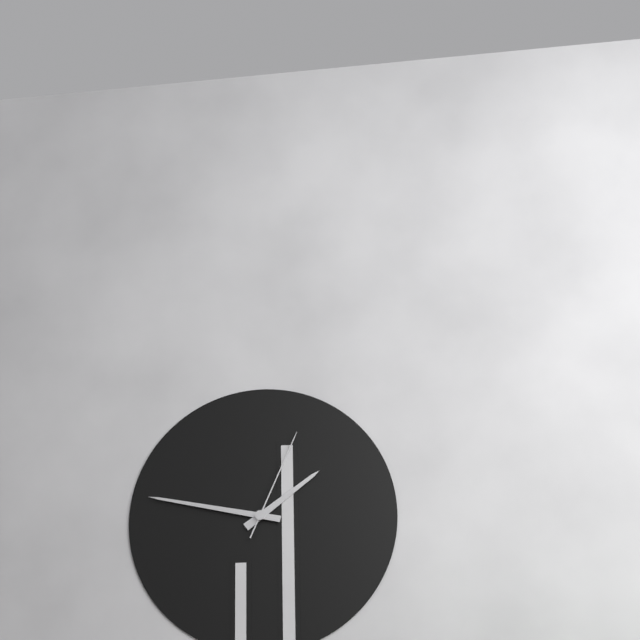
1:47:04
